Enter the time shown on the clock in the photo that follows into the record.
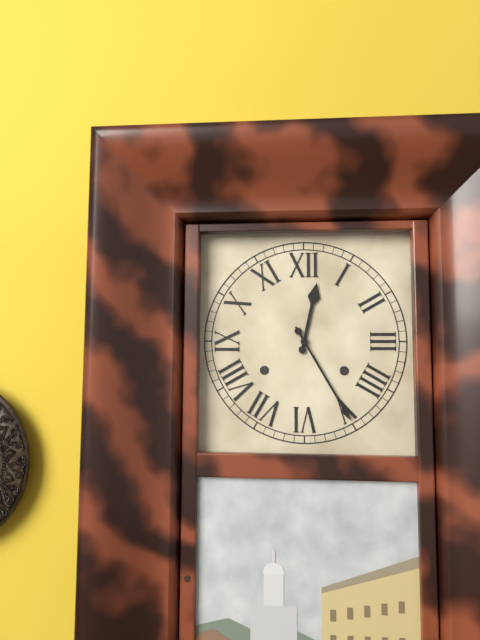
12:25
